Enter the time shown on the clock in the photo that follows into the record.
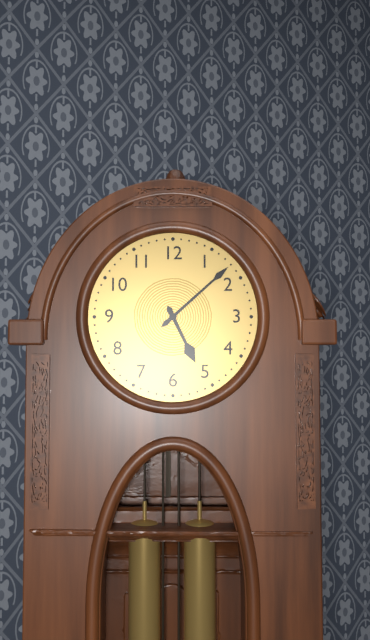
5:08
